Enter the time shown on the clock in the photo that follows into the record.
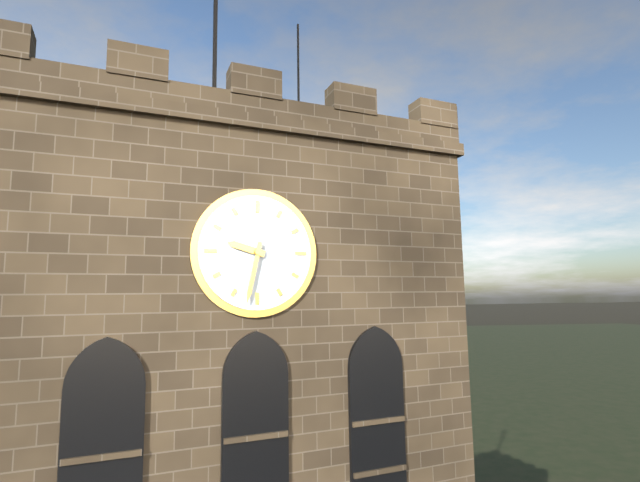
9:32
